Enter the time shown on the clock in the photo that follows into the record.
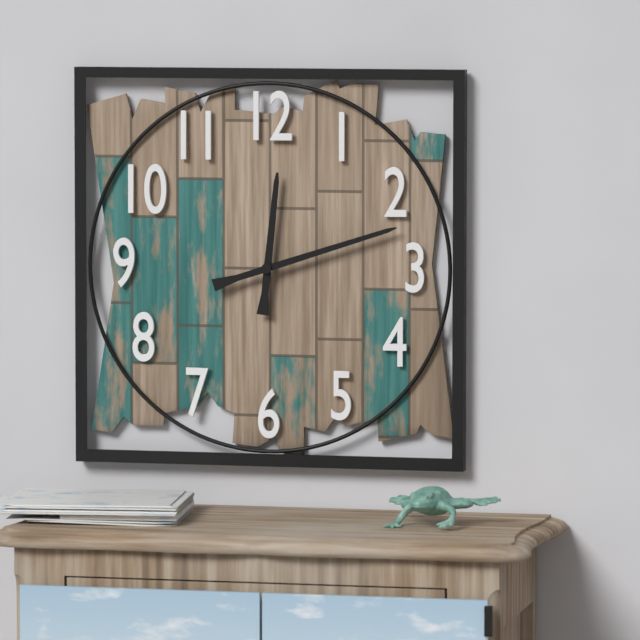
12:12
